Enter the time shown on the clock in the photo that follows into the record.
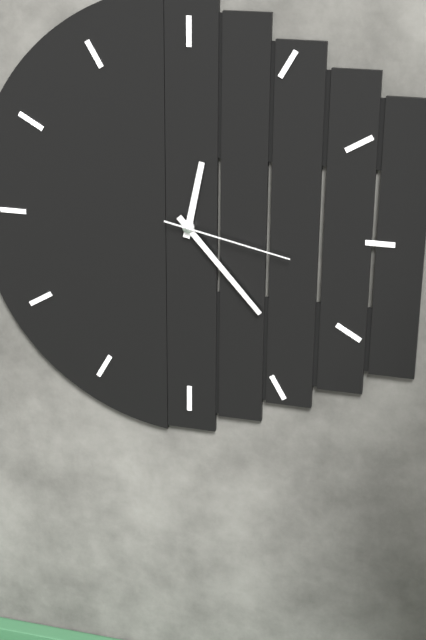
12:23:17
